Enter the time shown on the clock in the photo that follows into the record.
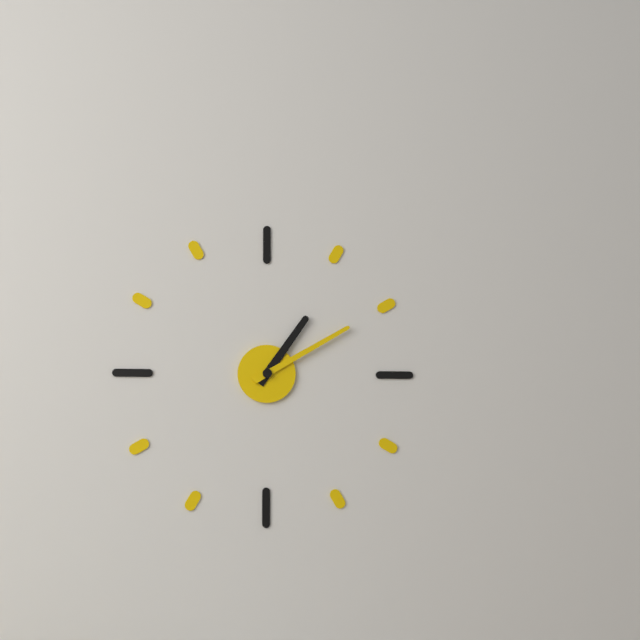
1:10
